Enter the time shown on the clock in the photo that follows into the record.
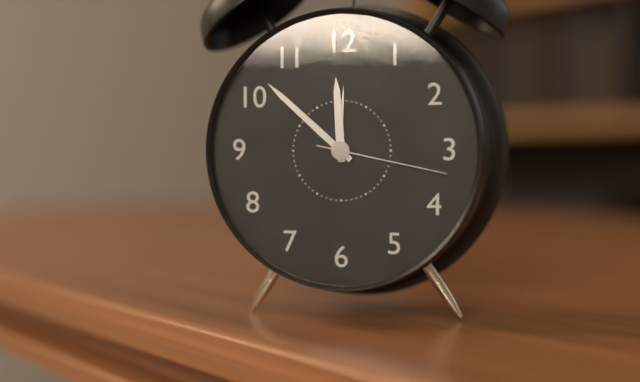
11:52:17
